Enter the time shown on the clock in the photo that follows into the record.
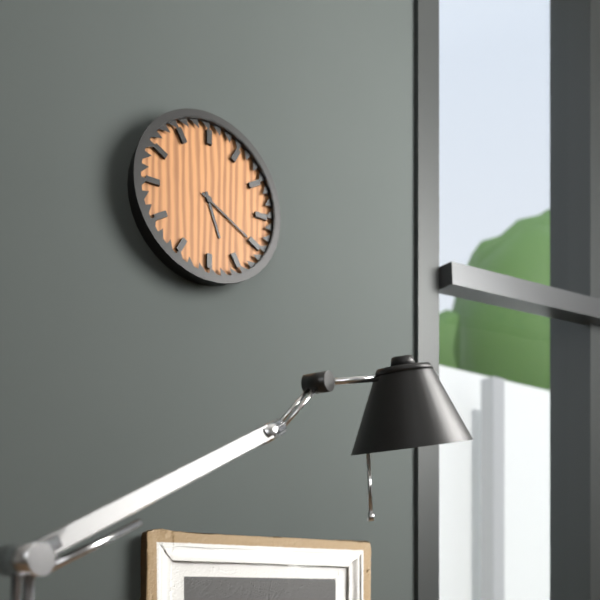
5:20
